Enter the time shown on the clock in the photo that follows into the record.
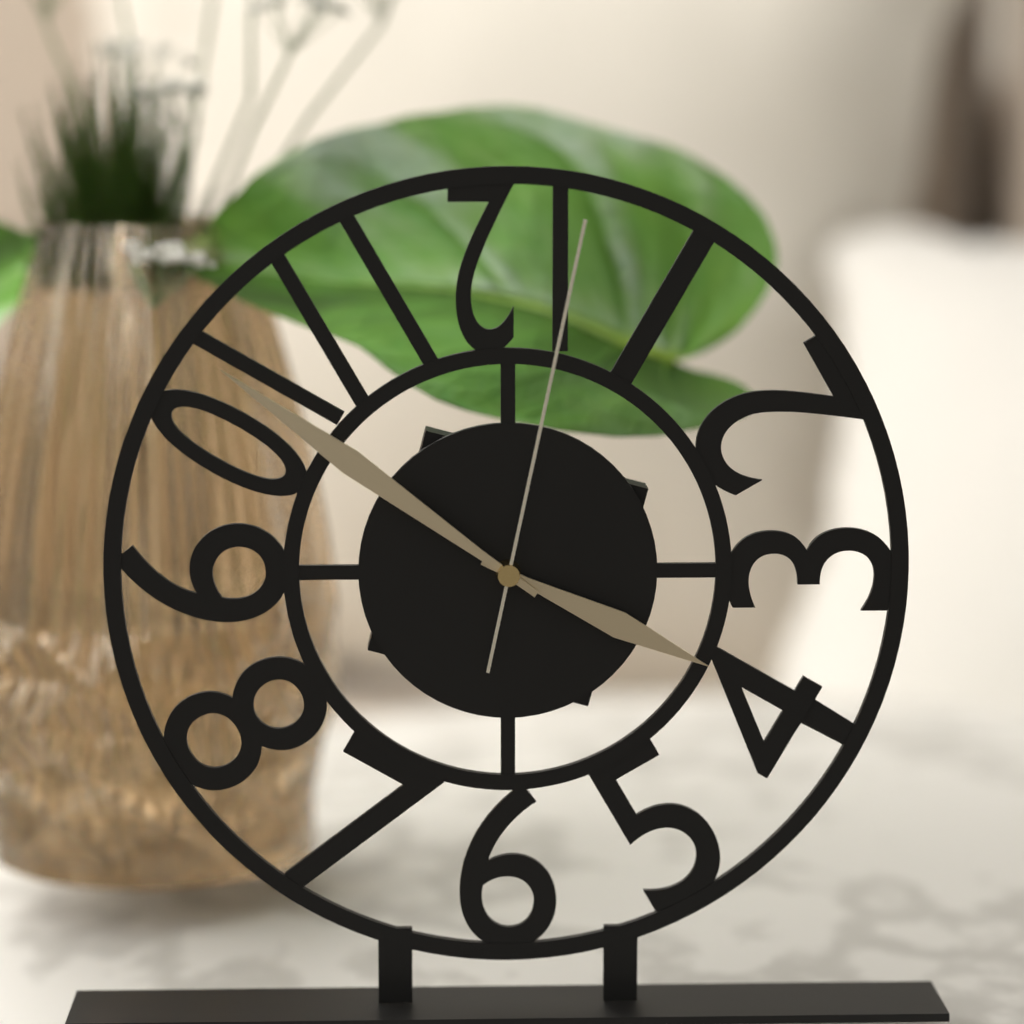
3:51:02
